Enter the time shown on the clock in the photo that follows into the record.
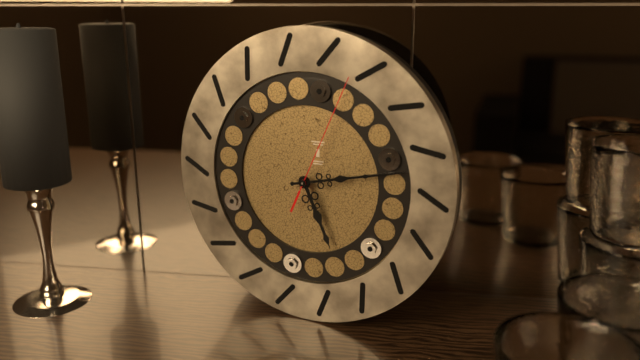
5:13:04
